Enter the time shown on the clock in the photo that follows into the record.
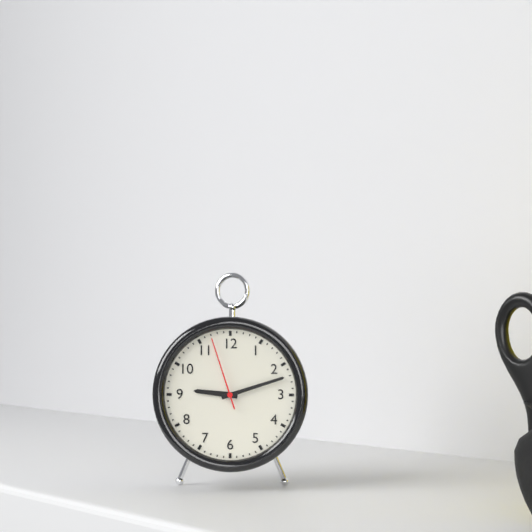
9:12:57
